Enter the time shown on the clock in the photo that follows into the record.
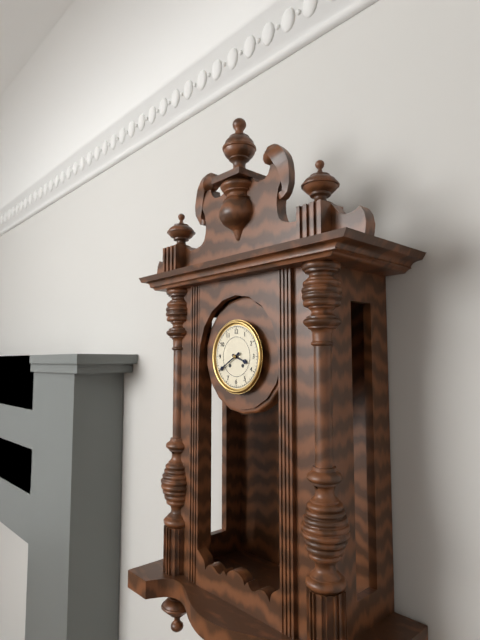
3:40
